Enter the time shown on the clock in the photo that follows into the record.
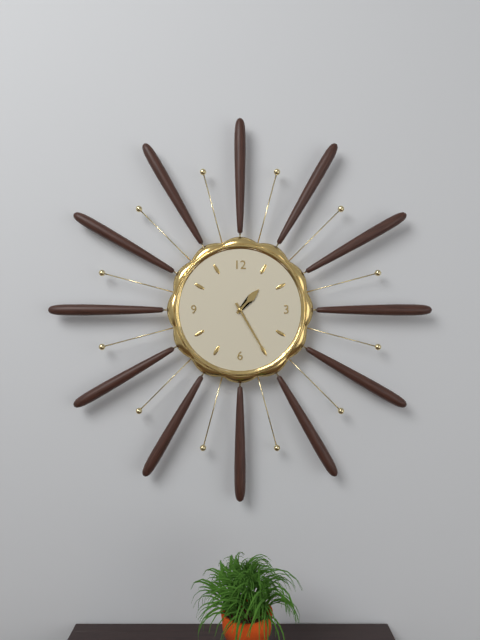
1:25
